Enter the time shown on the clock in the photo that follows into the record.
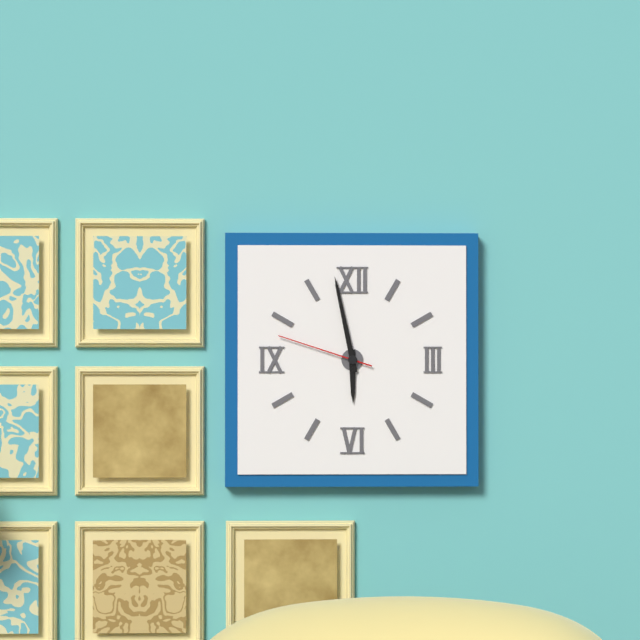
5:58:48
